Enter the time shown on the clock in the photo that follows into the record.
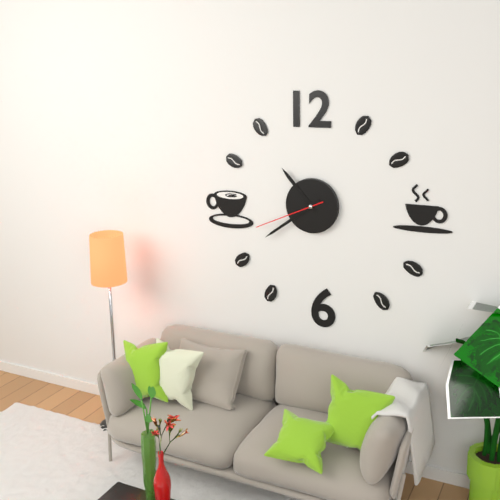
10:39:41
